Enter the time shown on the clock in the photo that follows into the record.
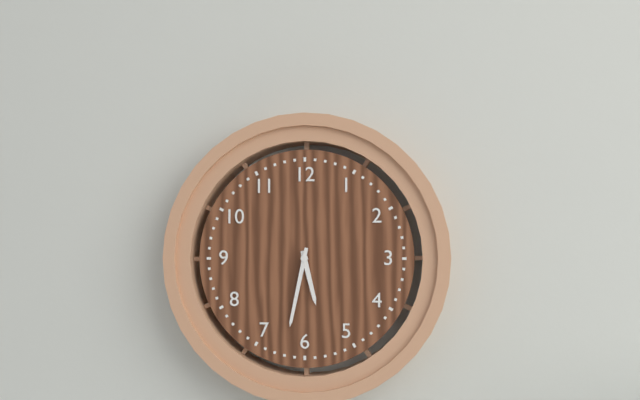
5:32
